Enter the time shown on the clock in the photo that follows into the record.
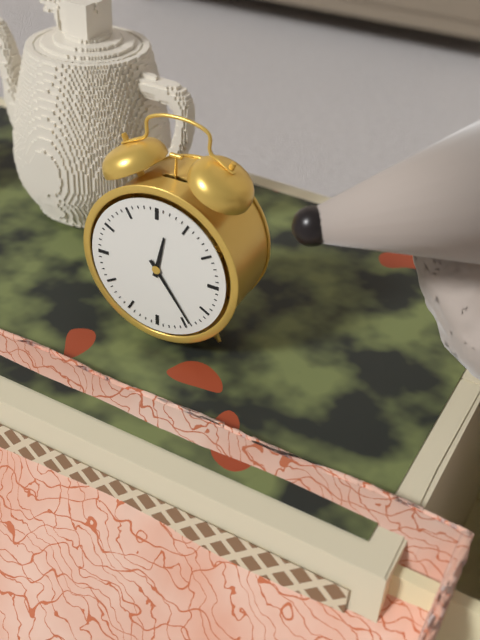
12:24
